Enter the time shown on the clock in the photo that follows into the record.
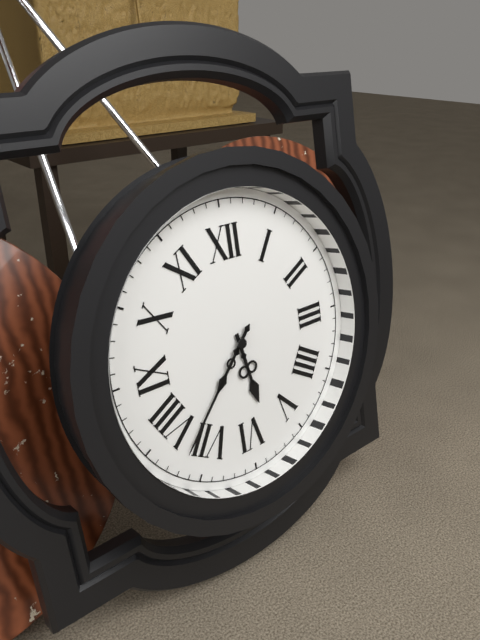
5:37
